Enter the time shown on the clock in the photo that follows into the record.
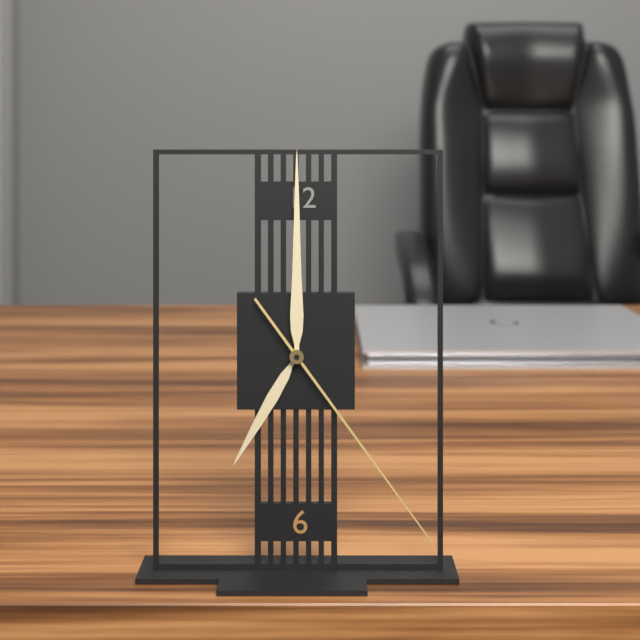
7:00:24
